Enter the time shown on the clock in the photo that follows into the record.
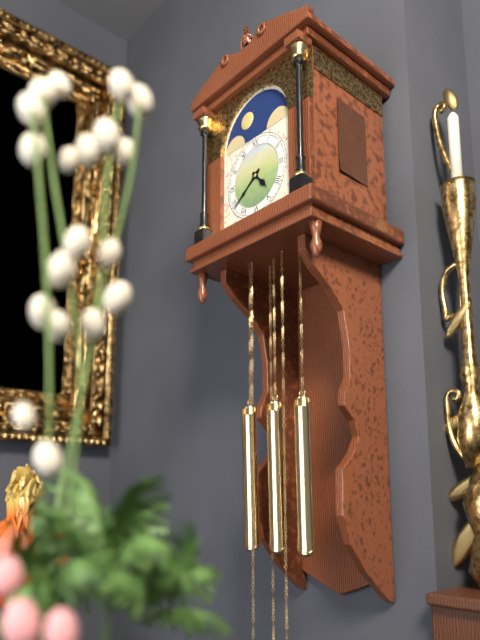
4:39
